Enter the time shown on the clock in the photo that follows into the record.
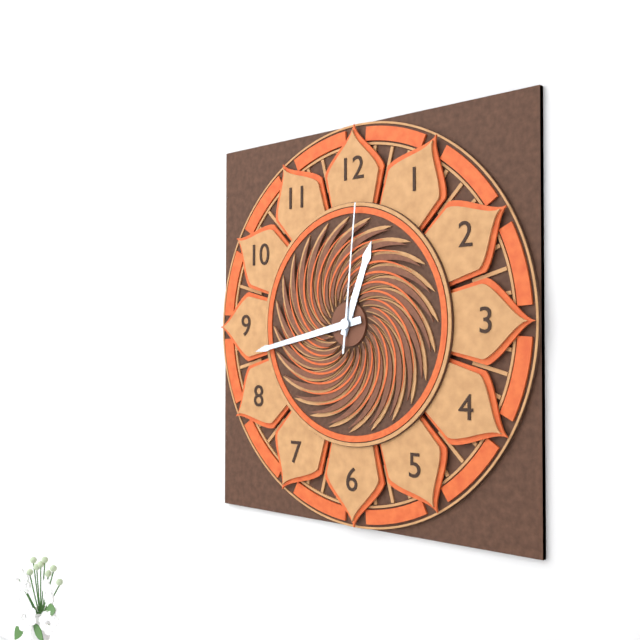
12:43:01
